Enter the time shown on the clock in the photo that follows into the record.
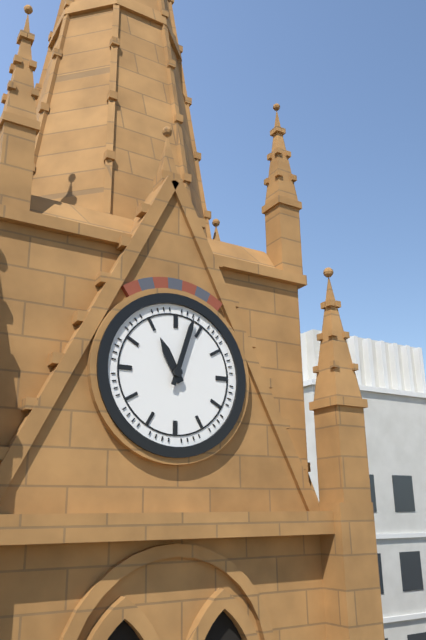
11:03
